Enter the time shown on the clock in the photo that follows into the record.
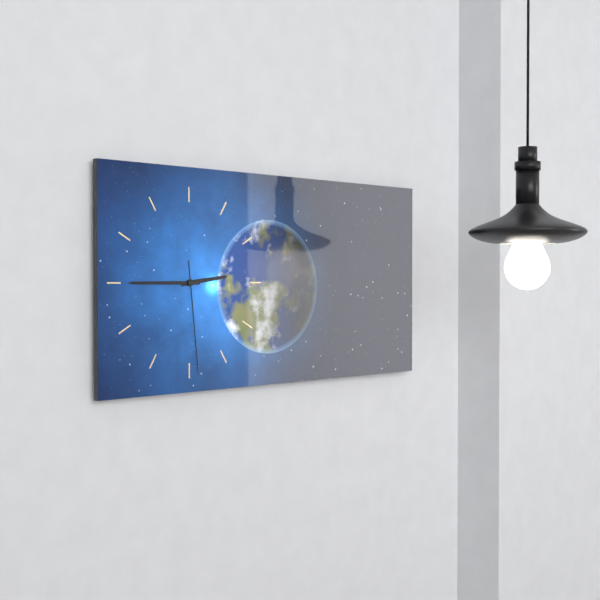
2:45:29
